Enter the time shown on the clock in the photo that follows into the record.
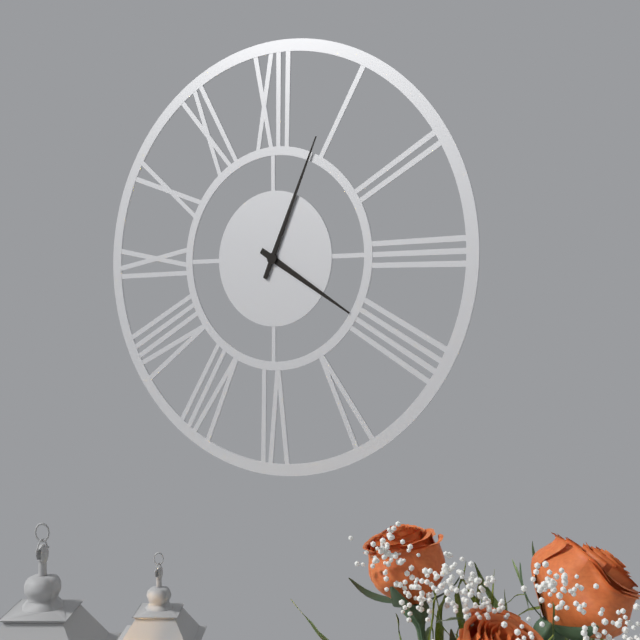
4:04
